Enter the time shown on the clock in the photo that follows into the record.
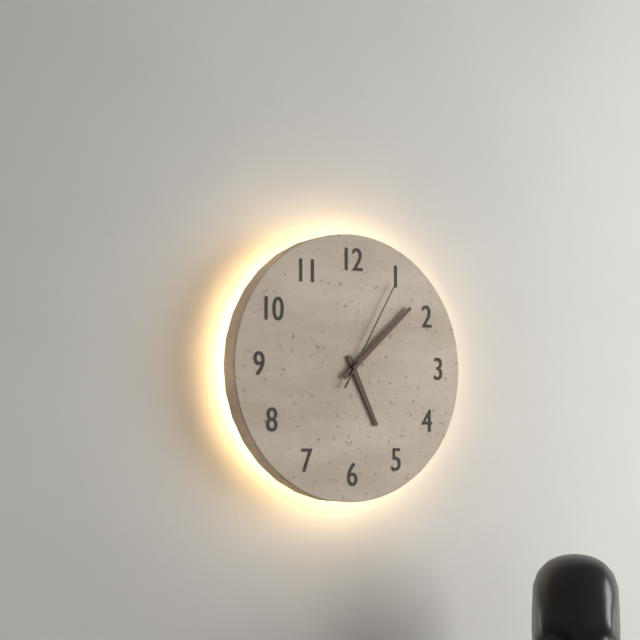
5:08:05
